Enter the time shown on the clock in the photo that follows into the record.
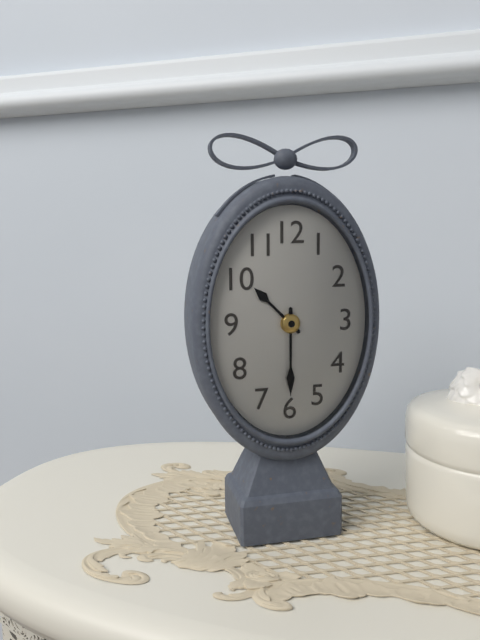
10:30
